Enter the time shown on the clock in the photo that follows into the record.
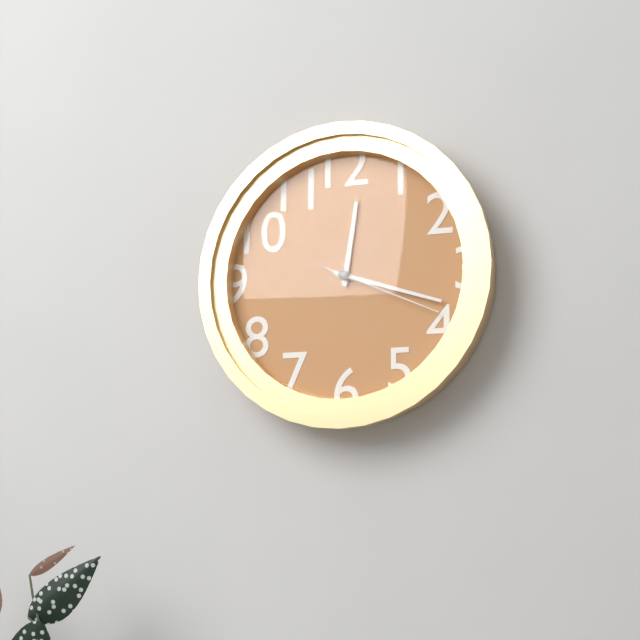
12:18:19
